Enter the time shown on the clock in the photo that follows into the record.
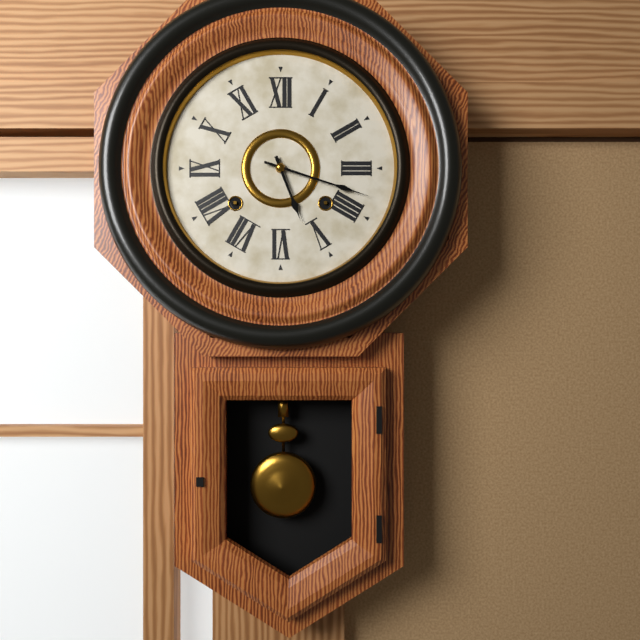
5:18
